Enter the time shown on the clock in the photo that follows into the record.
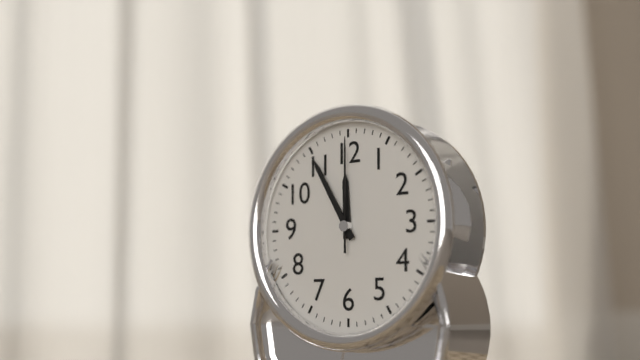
11:55:00
